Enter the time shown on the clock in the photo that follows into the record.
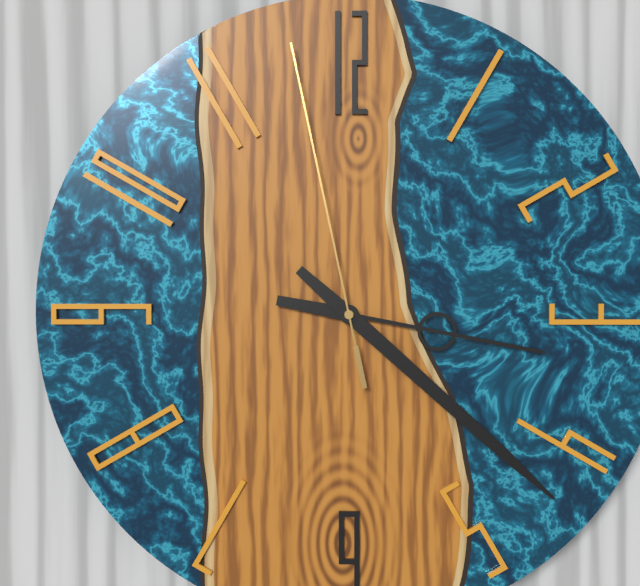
3:22:58
